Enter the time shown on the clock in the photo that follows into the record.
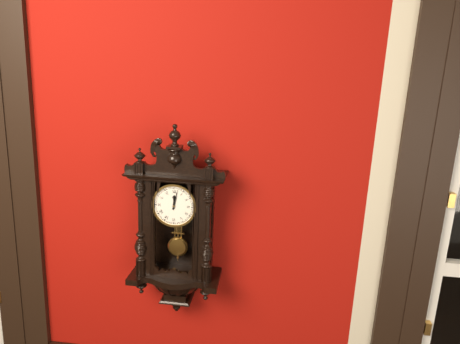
12:02
